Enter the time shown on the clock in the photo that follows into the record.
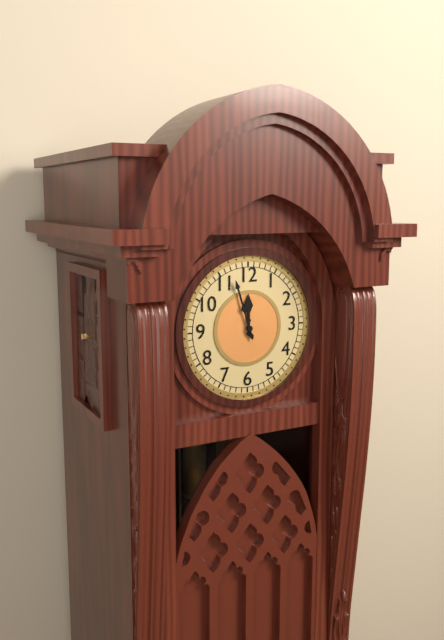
11:57
